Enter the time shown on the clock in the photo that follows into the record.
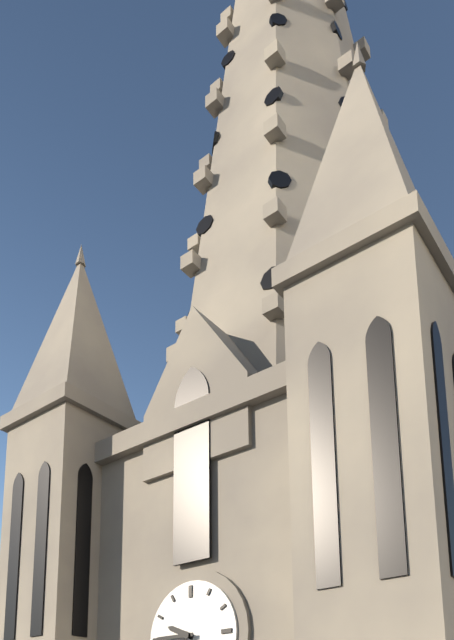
9:45
